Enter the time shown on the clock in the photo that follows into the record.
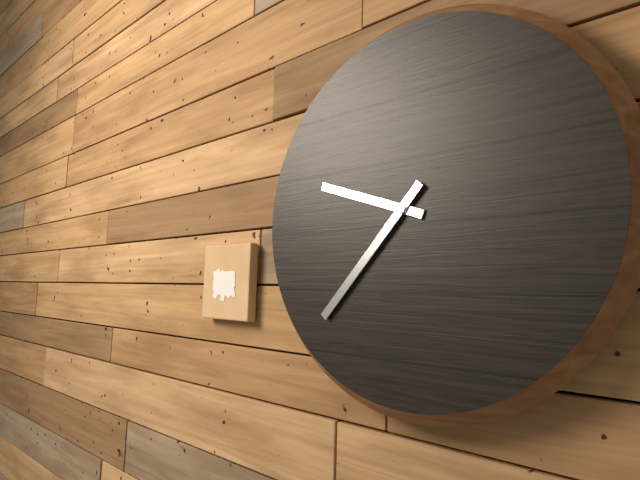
9:37
